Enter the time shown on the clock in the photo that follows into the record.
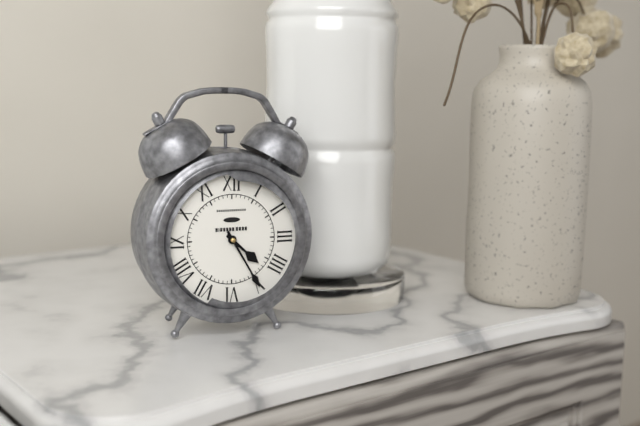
4:25
